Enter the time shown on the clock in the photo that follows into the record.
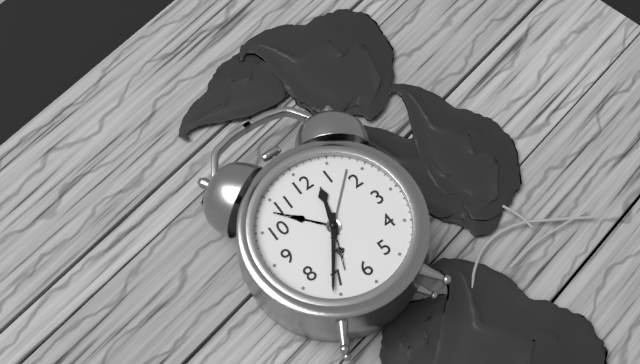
12:36
